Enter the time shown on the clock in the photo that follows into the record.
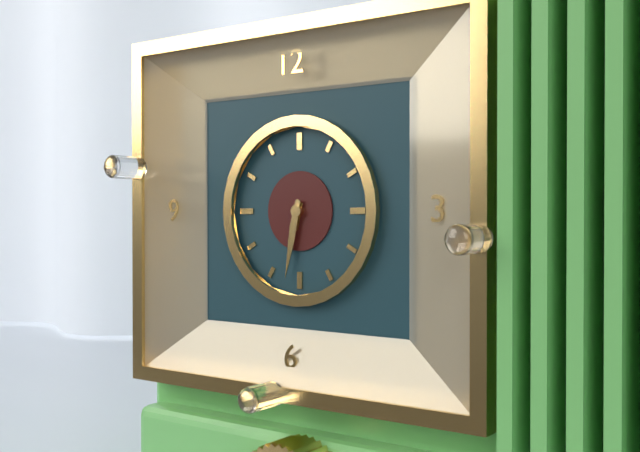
6:32
